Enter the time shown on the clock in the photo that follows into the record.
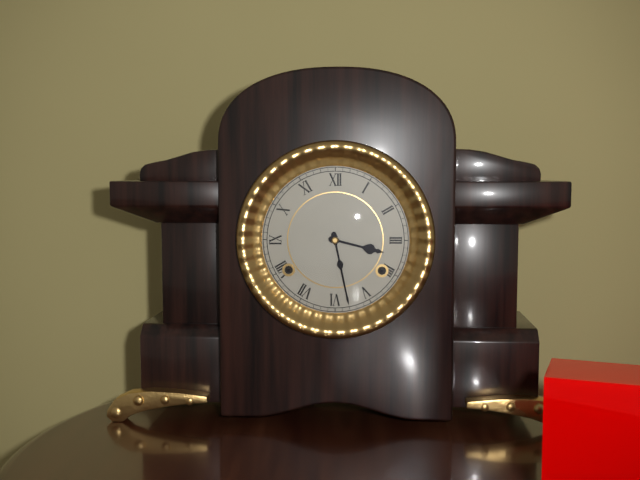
3:28
